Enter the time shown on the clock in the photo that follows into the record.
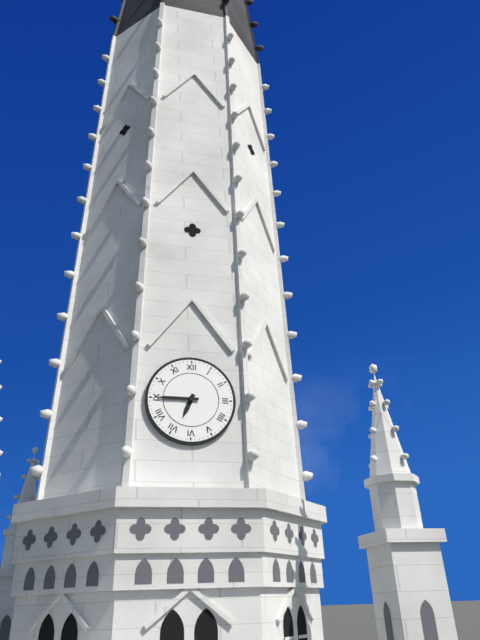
6:45
